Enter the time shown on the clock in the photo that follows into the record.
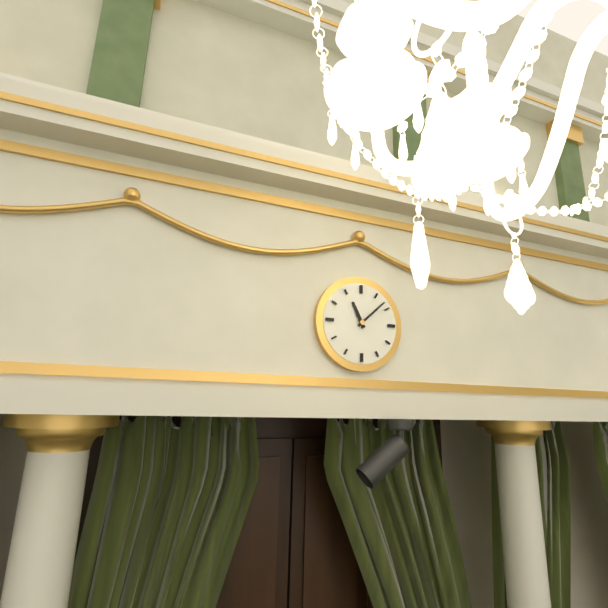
11:08
